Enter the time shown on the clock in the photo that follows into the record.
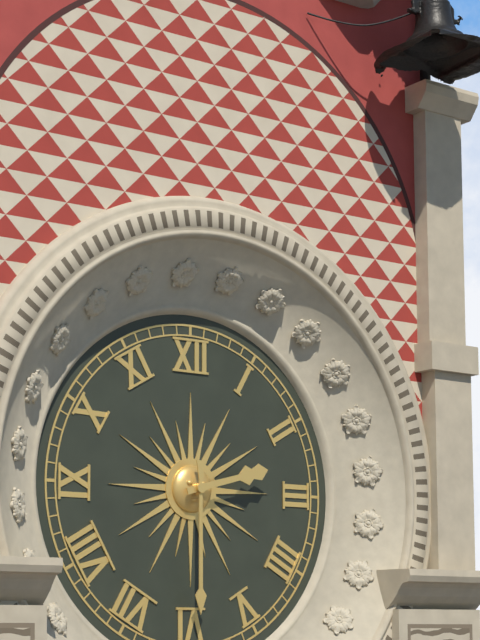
2:30
